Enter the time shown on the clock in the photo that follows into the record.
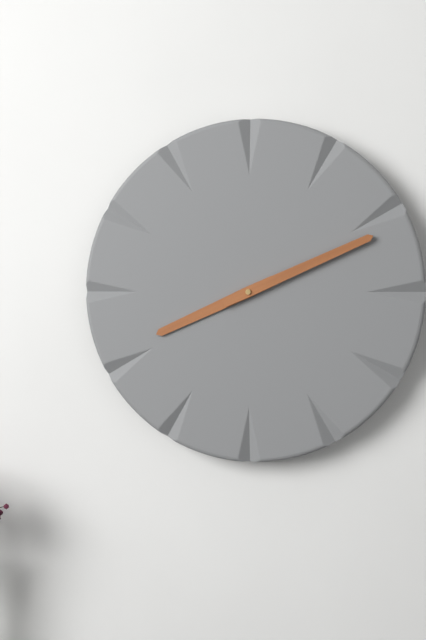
8:11
